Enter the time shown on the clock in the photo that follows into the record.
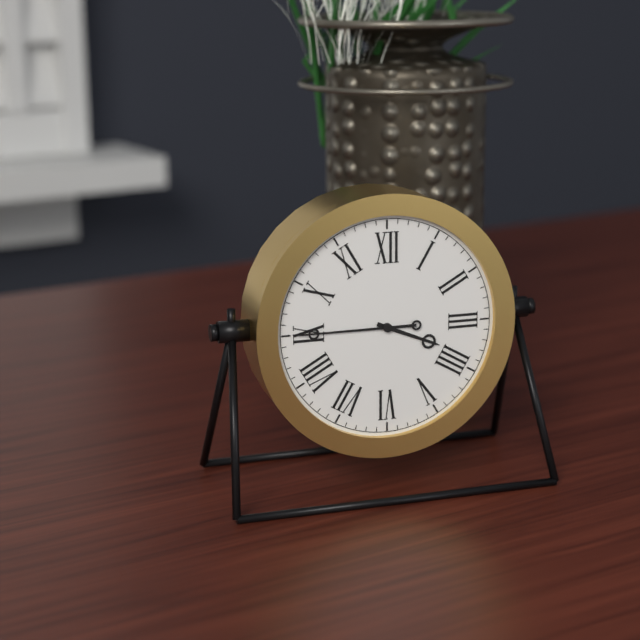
3:45
